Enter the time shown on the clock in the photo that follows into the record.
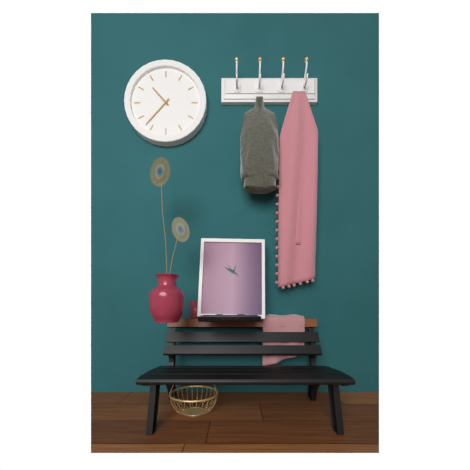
10:37
